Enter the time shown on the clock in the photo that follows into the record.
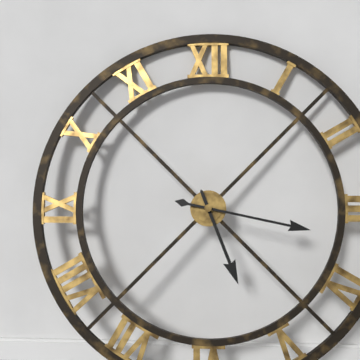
5:17
